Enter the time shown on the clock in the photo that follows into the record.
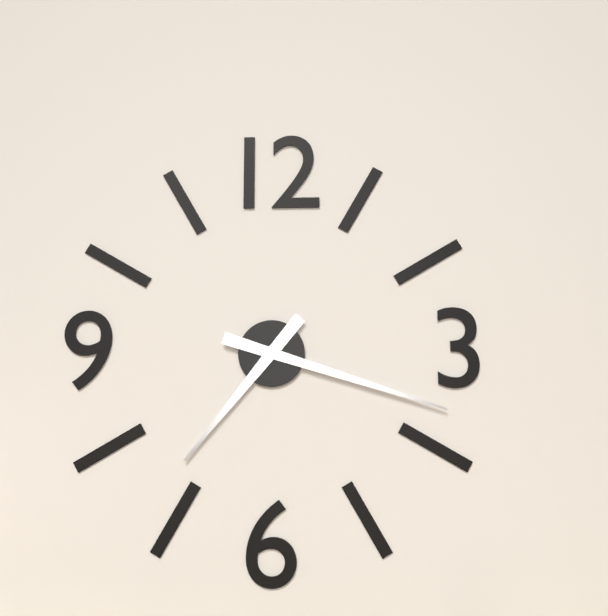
7:18
